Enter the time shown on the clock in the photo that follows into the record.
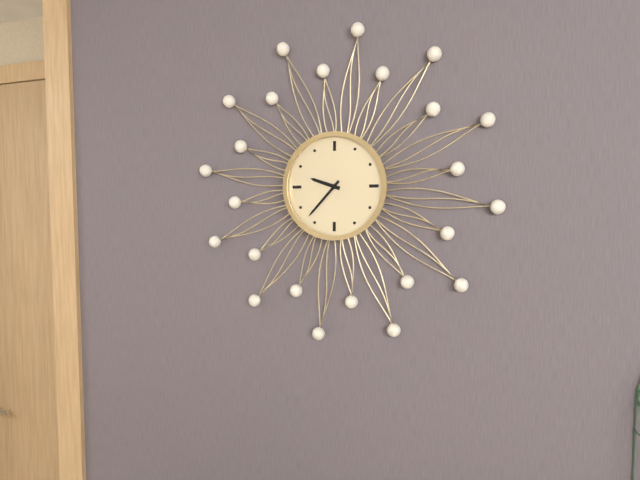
9:37
